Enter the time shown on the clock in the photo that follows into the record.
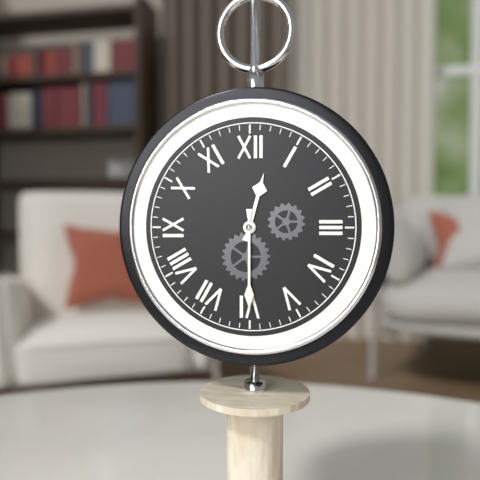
12:30
